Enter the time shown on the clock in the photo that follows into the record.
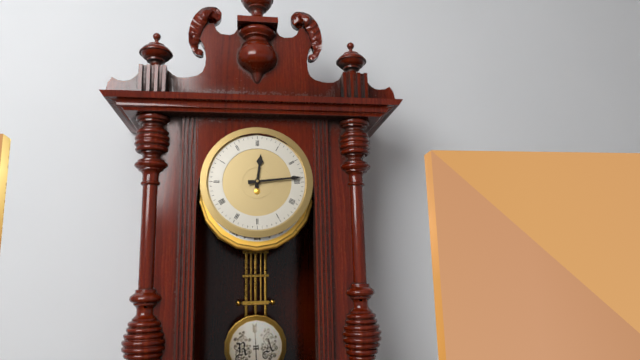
12:14
